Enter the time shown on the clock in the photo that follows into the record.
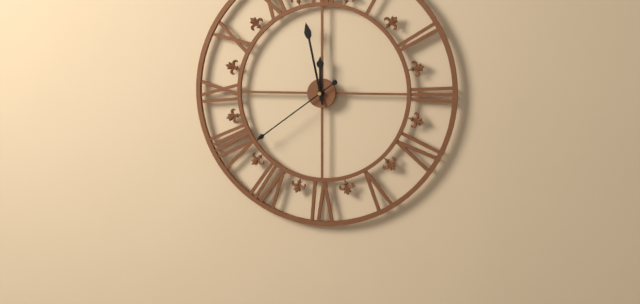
11:58:39
